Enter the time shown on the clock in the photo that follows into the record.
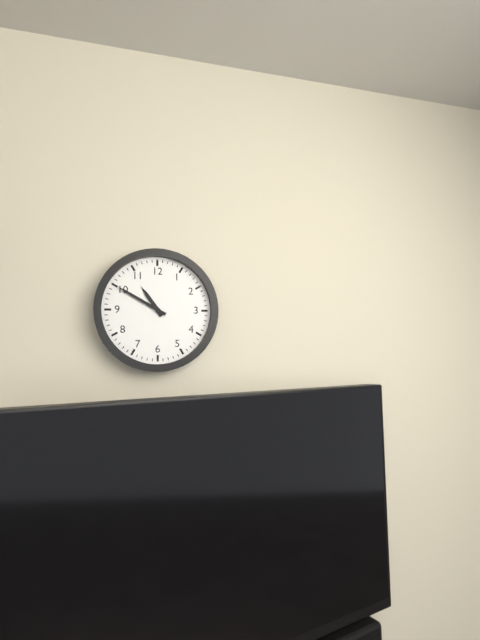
10:50
